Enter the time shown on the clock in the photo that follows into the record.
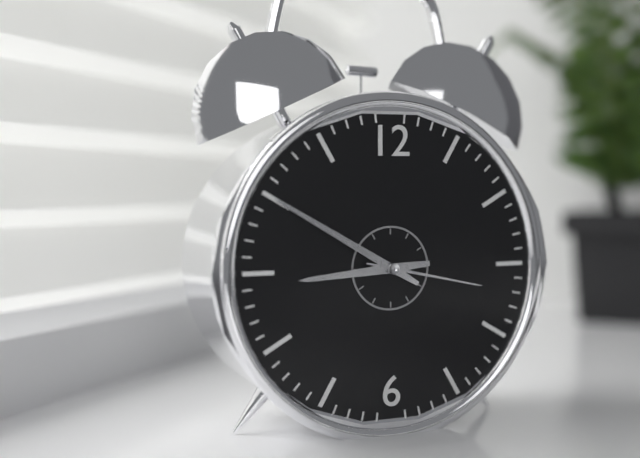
8:50:17
